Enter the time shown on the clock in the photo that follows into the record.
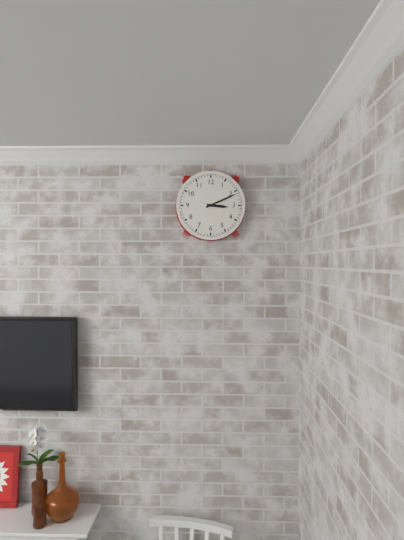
3:11
